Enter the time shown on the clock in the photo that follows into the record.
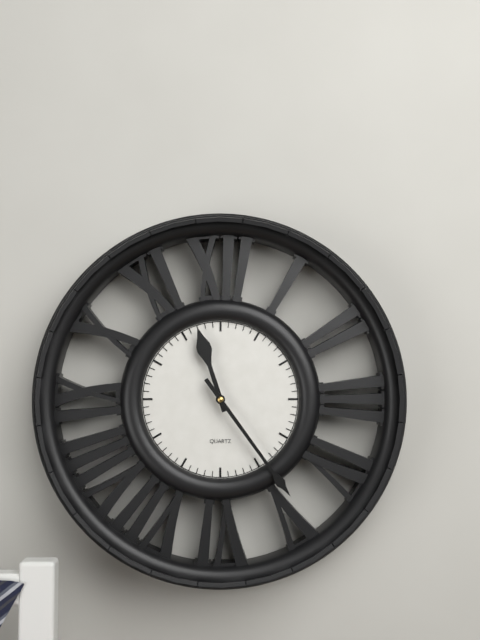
11:24
